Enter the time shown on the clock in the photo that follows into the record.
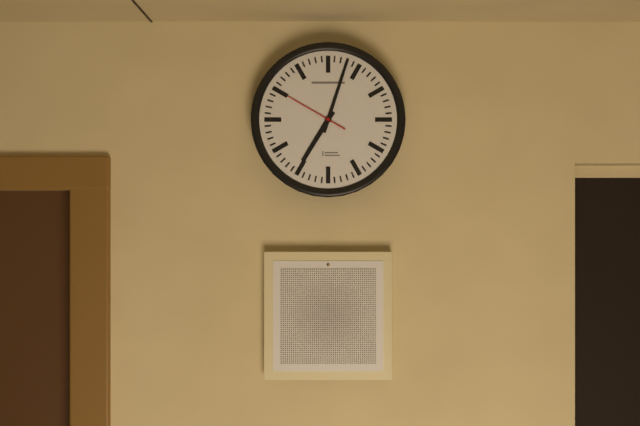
7:03:50
